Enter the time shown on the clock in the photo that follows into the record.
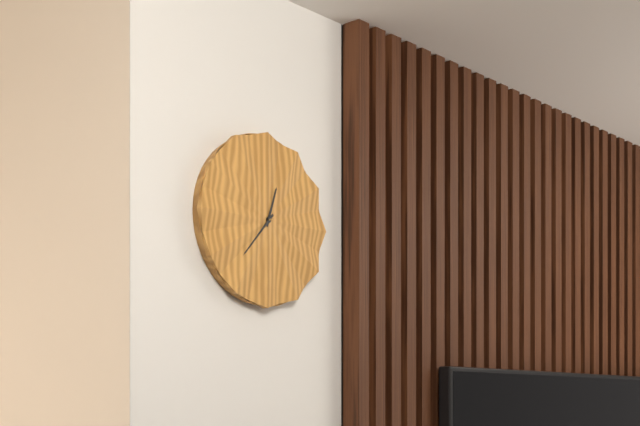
12:37
